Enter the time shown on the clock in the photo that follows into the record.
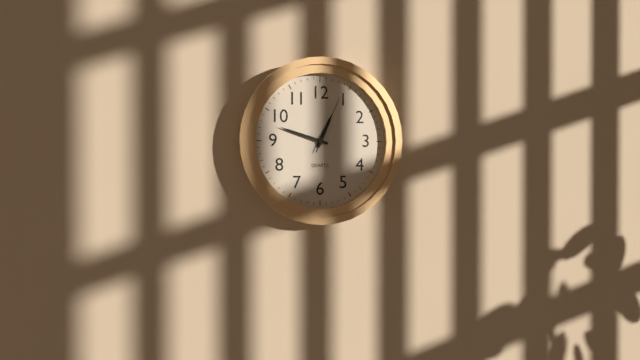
12:48:04
